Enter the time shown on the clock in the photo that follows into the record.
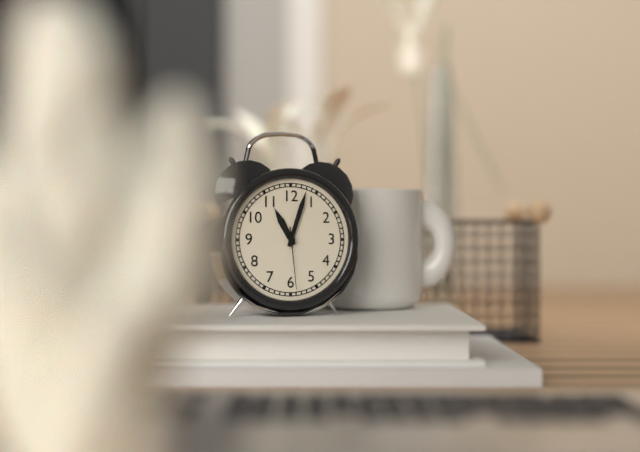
11:03:29
